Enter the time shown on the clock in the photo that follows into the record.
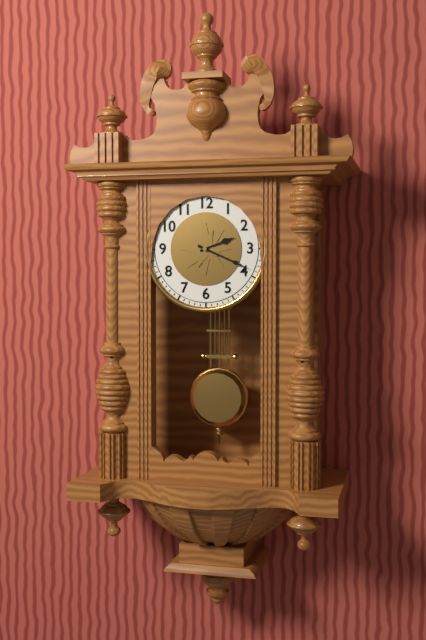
2:19
